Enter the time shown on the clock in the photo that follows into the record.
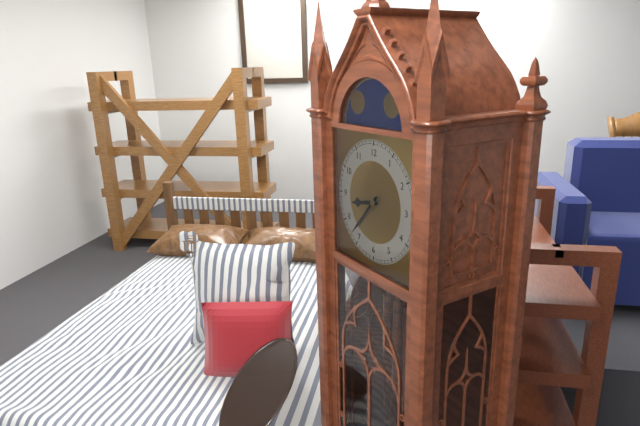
8:37
